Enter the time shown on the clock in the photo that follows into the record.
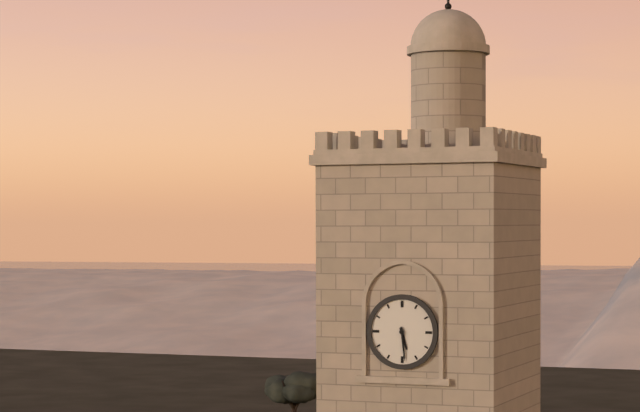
5:29
